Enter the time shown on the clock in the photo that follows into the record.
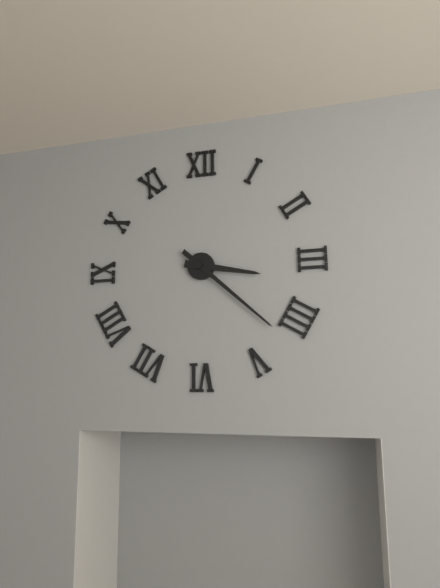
3:22
